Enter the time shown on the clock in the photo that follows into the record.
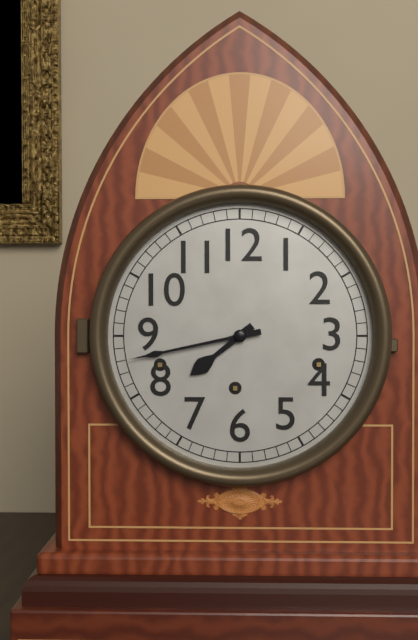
7:43
